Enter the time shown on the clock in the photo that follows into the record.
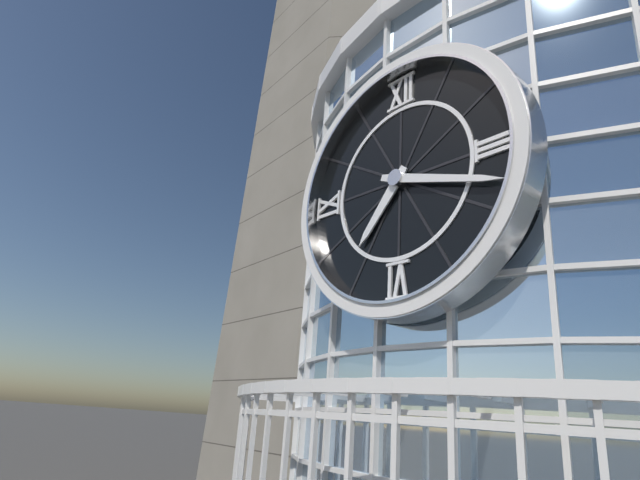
7:18
